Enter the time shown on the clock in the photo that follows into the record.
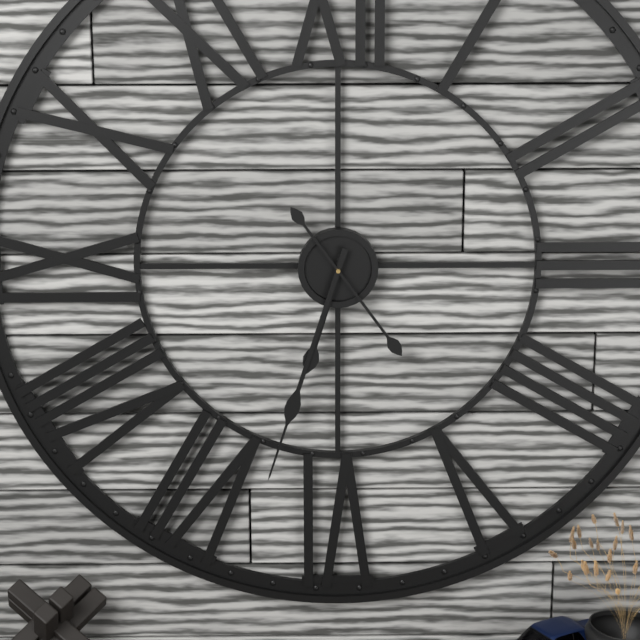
6:33:24
